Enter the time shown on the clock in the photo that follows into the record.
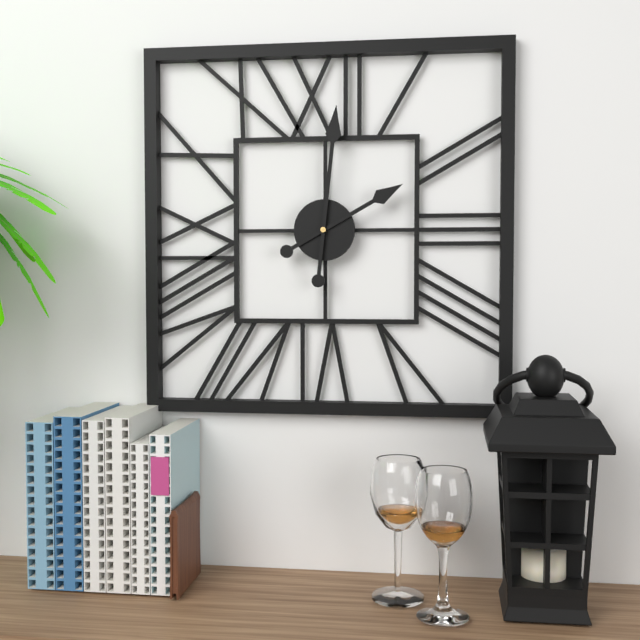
2:01
